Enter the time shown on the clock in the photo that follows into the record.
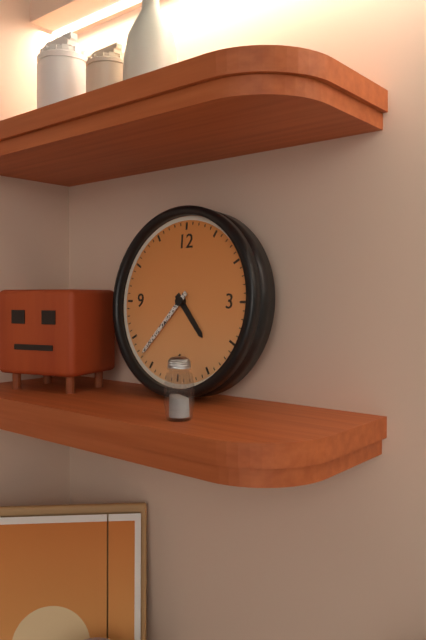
4:37
